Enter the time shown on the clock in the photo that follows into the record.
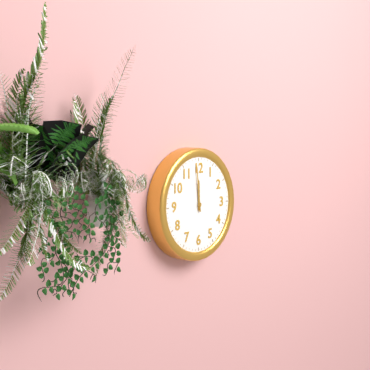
11:59
